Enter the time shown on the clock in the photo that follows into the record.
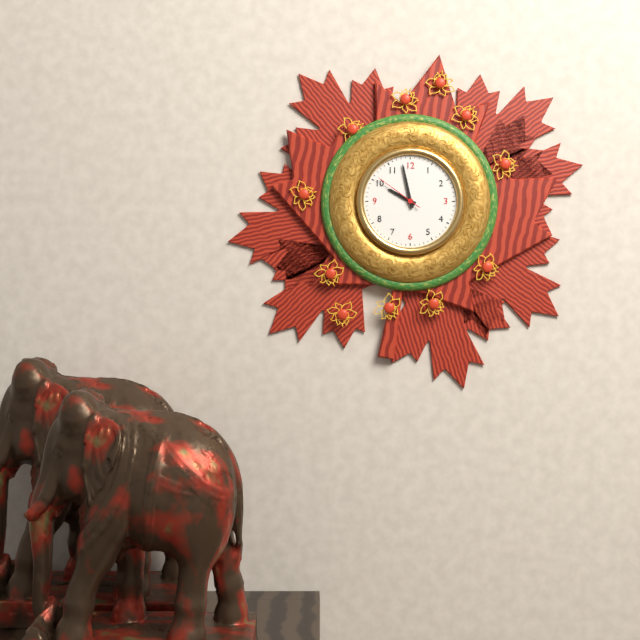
9:58:51
